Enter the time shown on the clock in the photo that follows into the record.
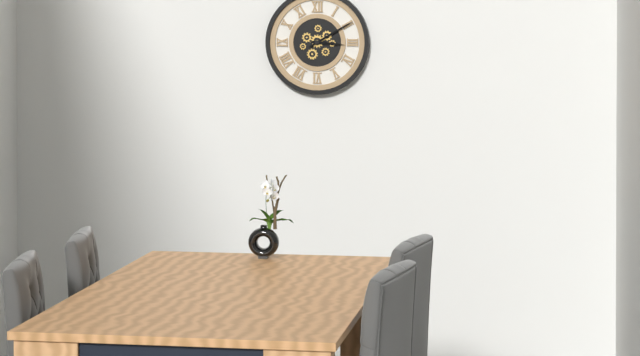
3:10
